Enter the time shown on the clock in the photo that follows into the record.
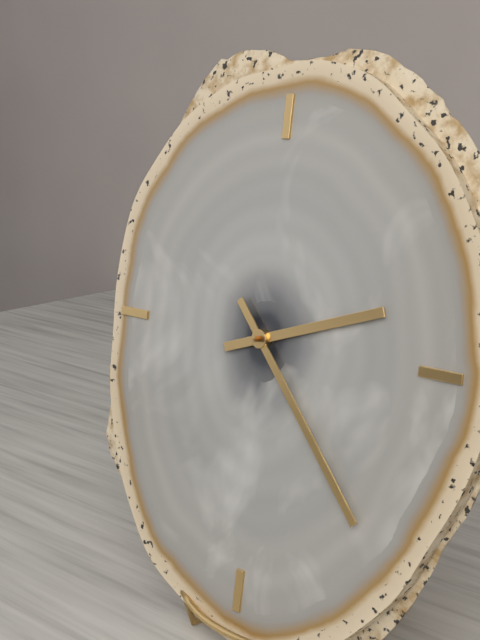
2:23
